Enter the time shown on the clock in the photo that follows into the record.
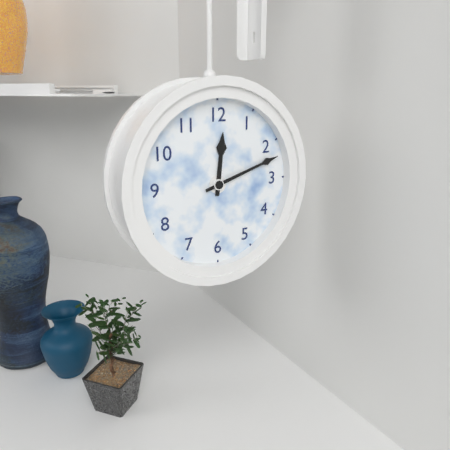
12:12
